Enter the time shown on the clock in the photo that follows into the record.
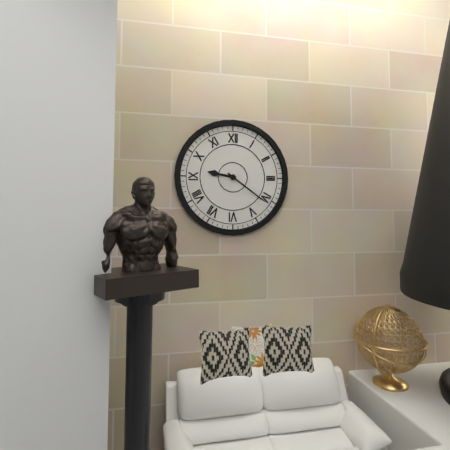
9:21
